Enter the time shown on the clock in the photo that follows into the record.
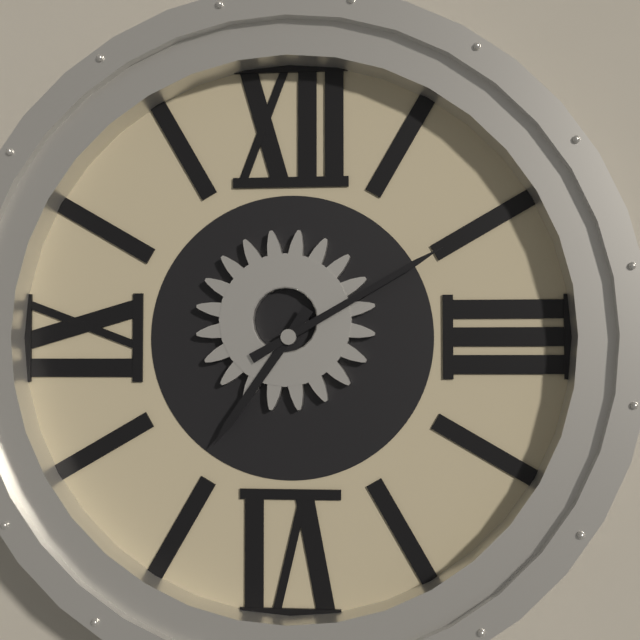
7:10
